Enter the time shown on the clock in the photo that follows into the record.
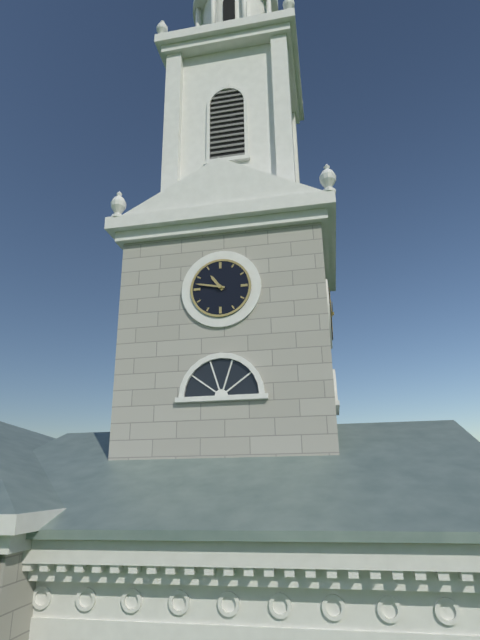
10:47
